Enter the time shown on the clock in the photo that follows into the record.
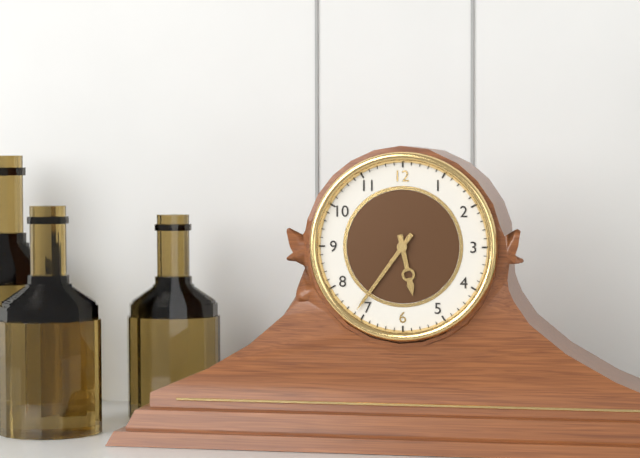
5:36
